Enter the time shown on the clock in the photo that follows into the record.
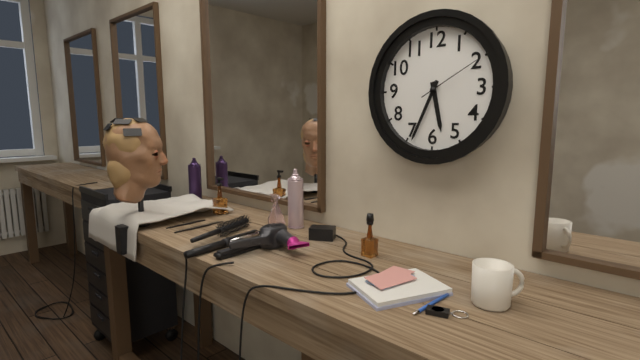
5:34:10
